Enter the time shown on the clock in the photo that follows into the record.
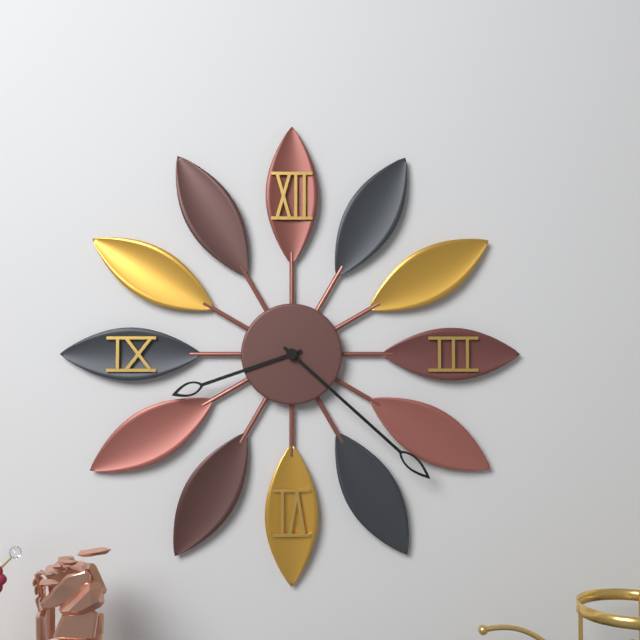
8:22
